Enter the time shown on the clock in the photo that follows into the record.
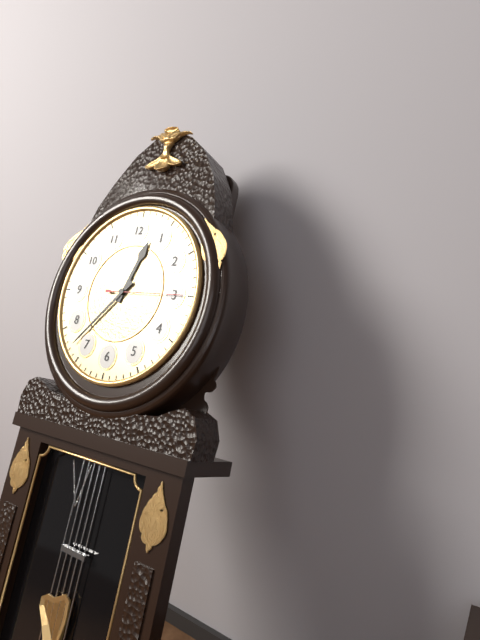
12:37
